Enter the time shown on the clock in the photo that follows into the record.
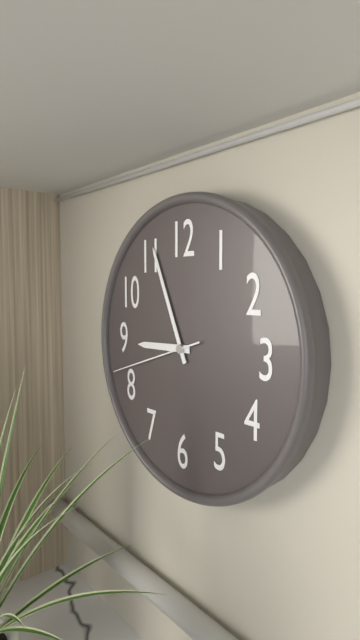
8:56:42
